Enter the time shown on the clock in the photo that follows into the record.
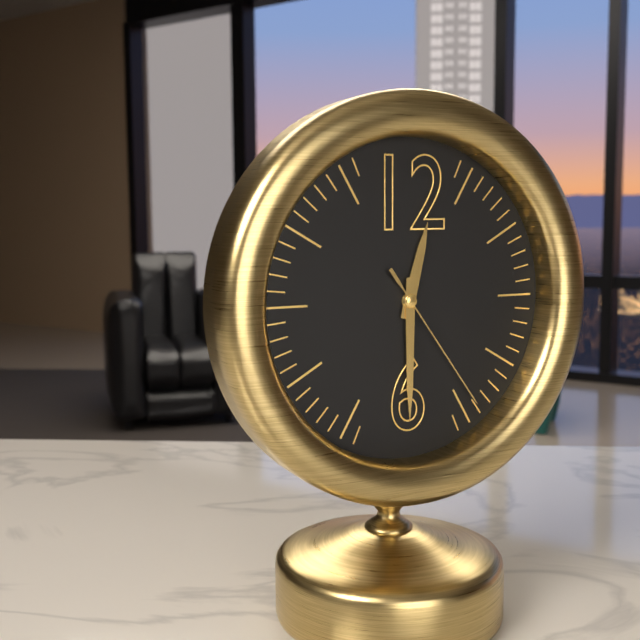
12:30:24
